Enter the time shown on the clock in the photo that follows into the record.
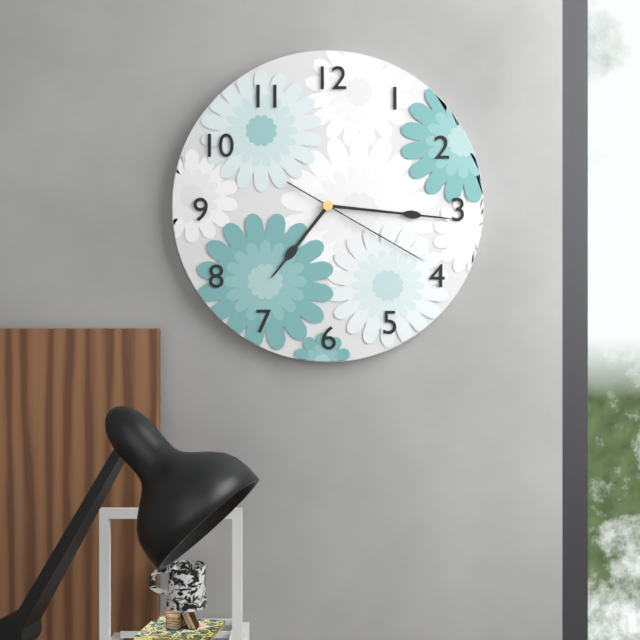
7:16:20
